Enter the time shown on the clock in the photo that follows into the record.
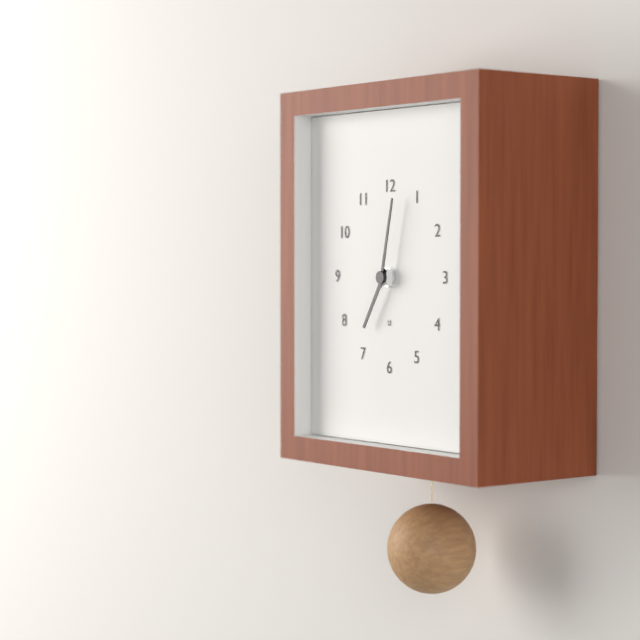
7:02
